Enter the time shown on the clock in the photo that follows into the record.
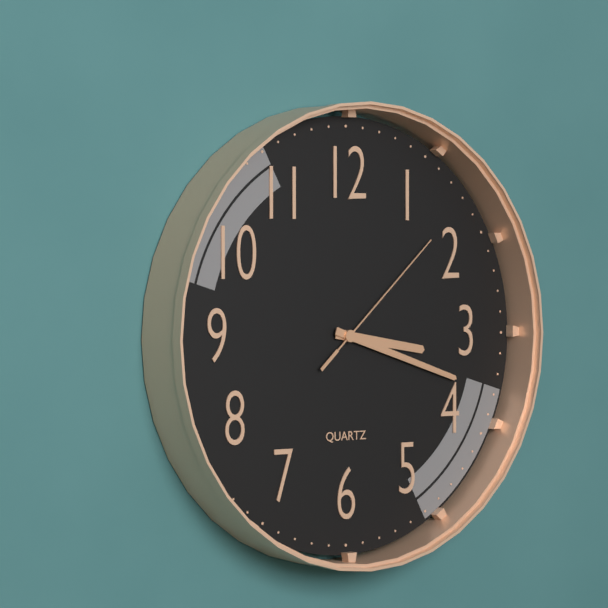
3:18:08
